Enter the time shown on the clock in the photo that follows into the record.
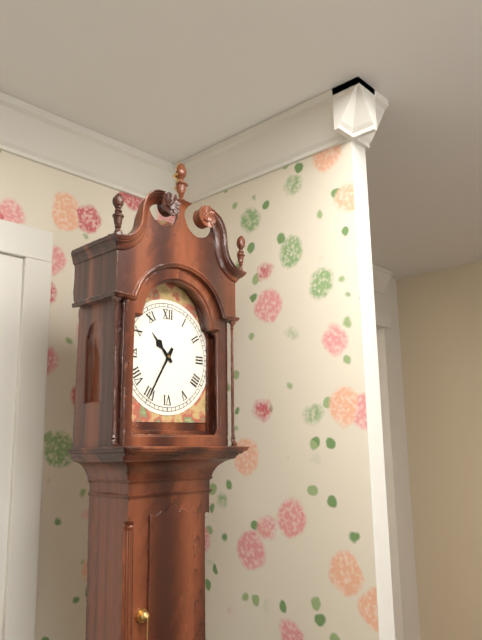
10:35
